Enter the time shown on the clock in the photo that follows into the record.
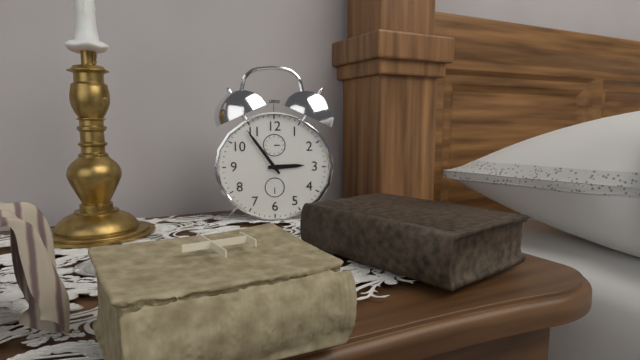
2:54
